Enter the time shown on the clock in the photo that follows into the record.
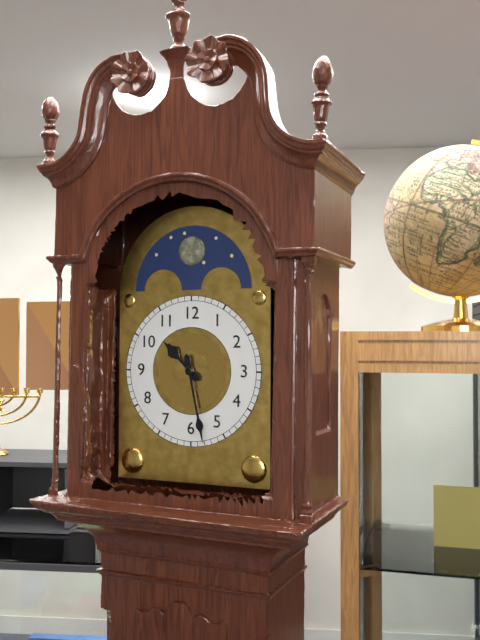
10:28
